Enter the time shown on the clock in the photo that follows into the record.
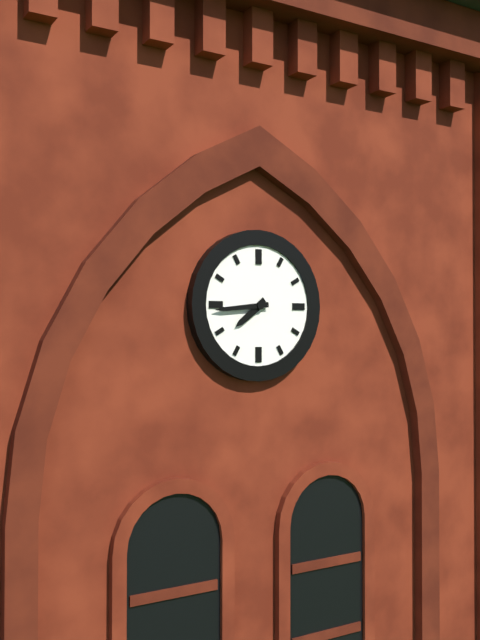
7:44
